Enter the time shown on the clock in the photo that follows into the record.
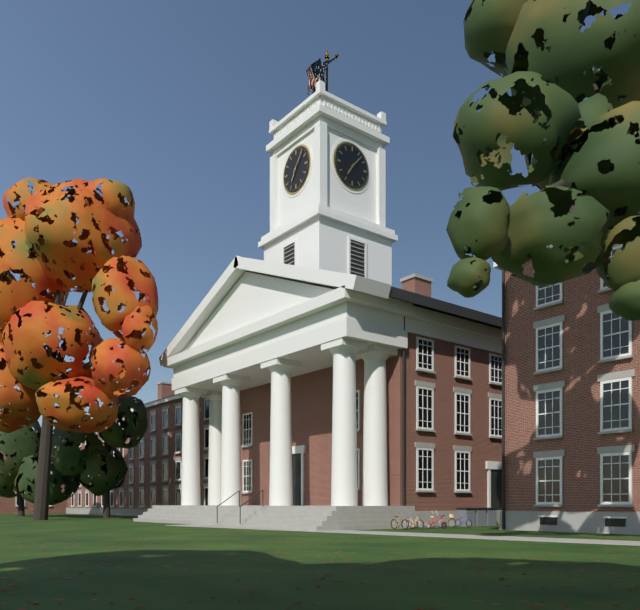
7:07
